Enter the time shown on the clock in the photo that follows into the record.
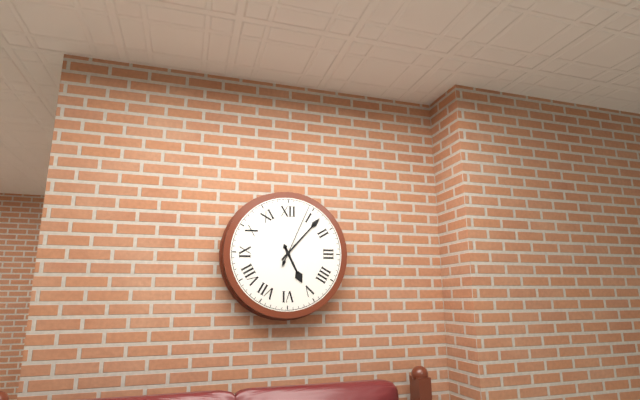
5:07:04
